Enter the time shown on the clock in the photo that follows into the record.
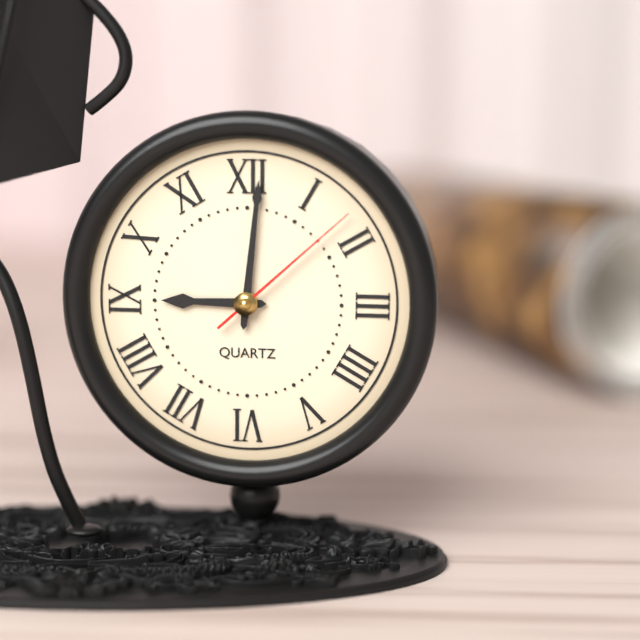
9:01:08
